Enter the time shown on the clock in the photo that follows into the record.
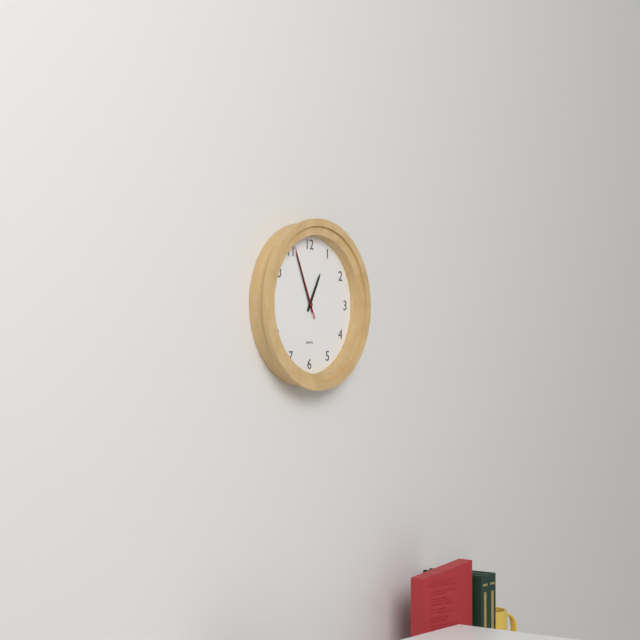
12:56:56
